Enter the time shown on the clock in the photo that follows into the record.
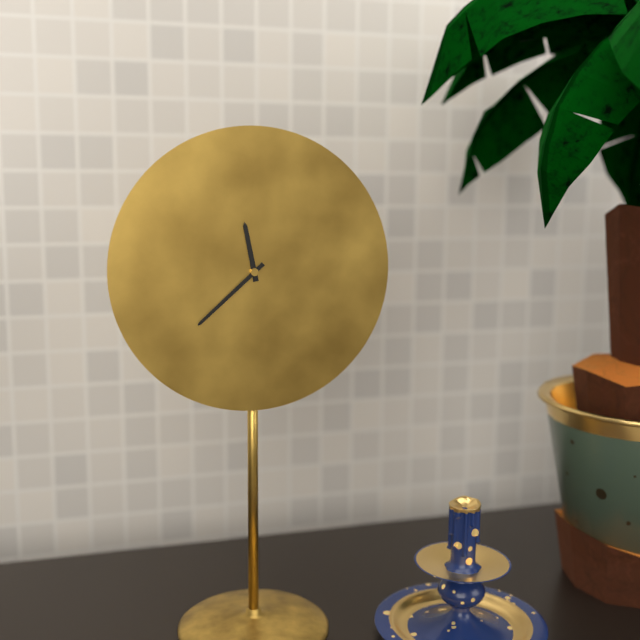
11:38
